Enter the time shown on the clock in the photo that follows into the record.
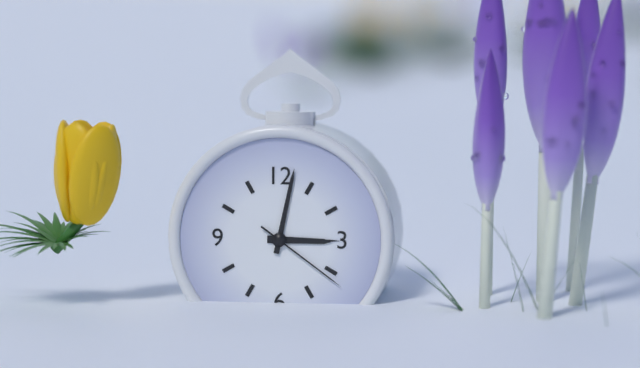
3:02:21
